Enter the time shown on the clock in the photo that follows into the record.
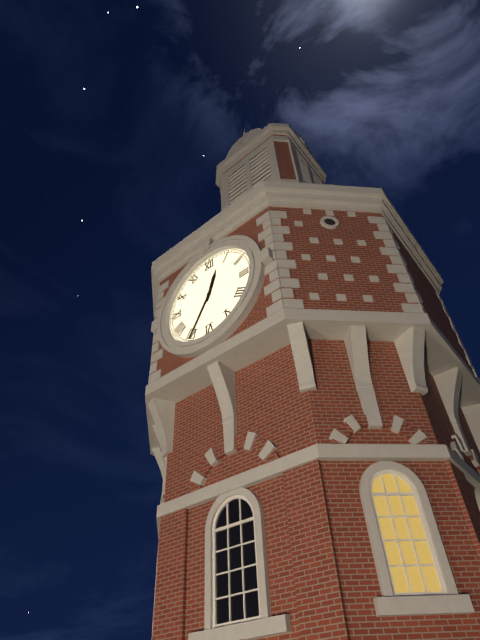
12:35
